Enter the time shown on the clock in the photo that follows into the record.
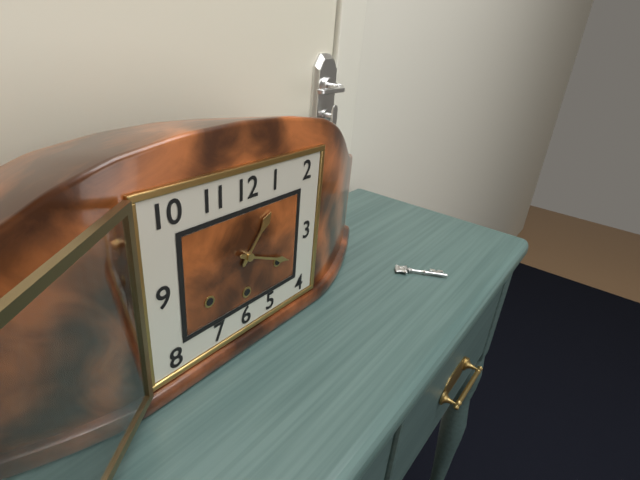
1:19
